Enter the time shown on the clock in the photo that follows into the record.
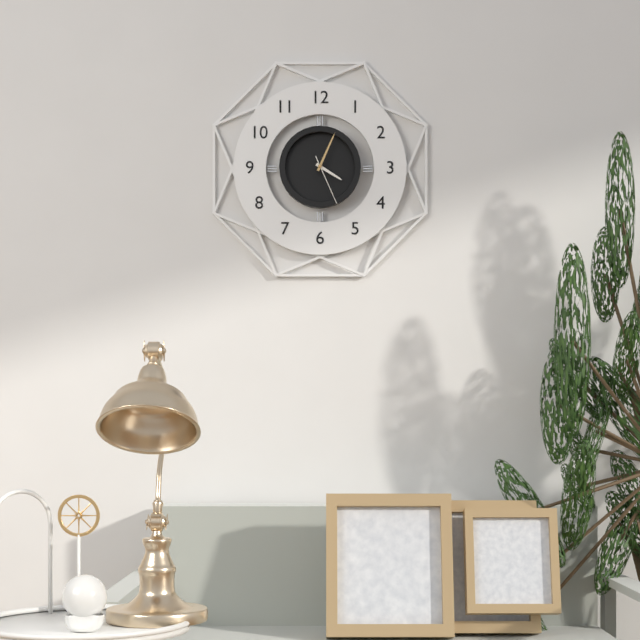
4:04:26
